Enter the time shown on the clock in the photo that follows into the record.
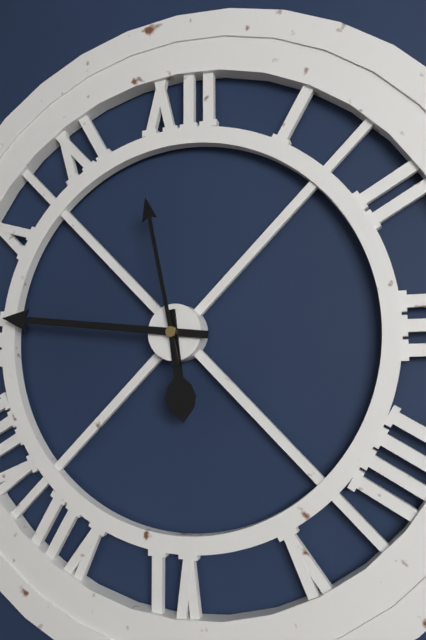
5:46:58
